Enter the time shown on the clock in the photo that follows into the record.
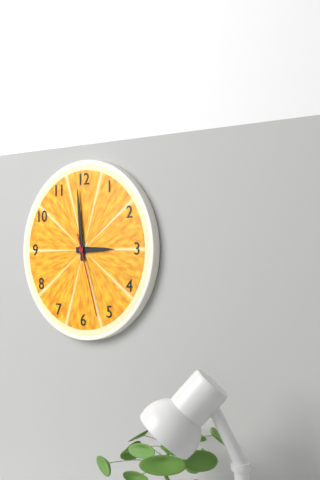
2:59:27
